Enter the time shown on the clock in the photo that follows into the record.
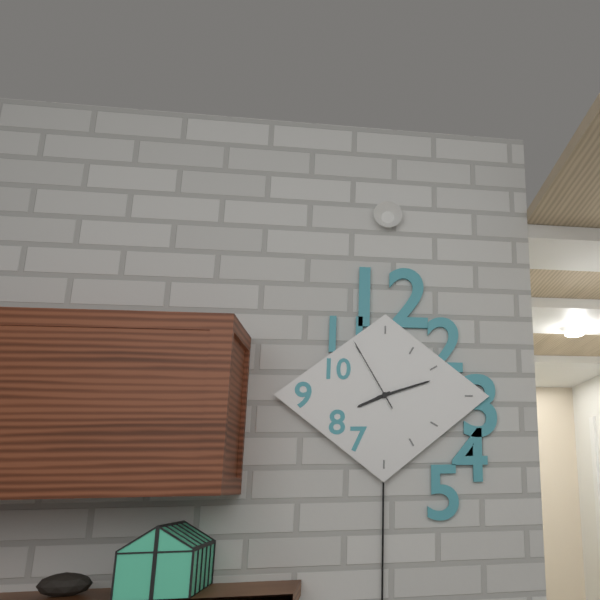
8:12:55
